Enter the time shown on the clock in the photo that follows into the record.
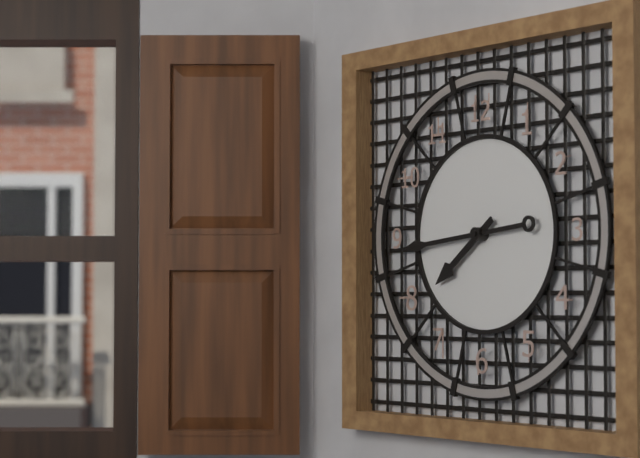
7:44
